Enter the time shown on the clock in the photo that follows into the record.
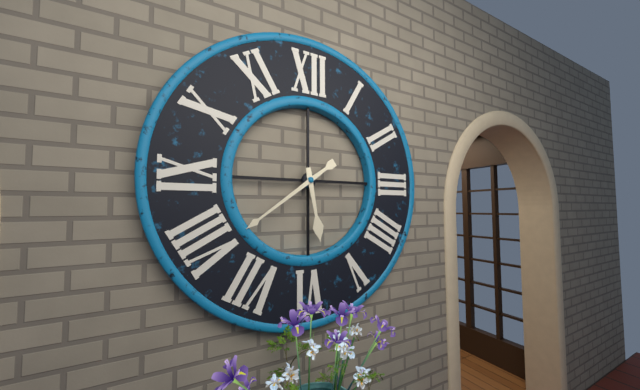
5:39
